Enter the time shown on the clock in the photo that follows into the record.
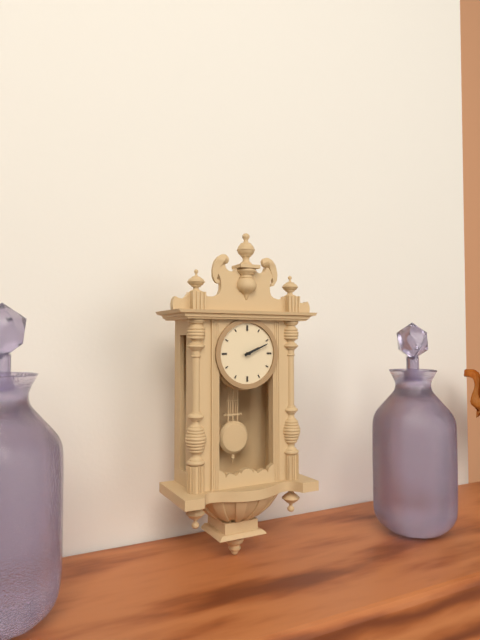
2:11
